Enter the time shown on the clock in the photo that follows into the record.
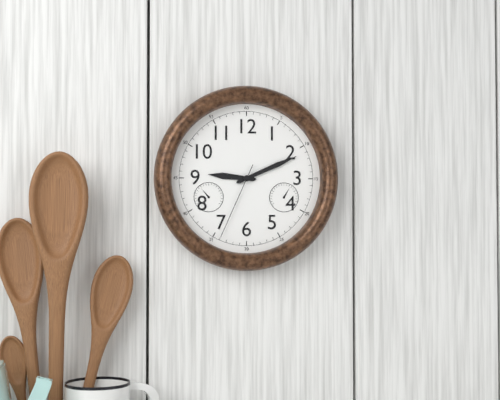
9:11:34
